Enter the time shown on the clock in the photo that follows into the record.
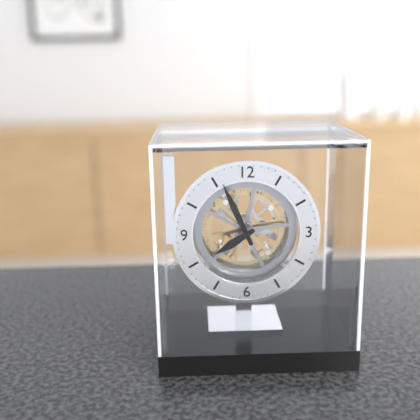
7:56
